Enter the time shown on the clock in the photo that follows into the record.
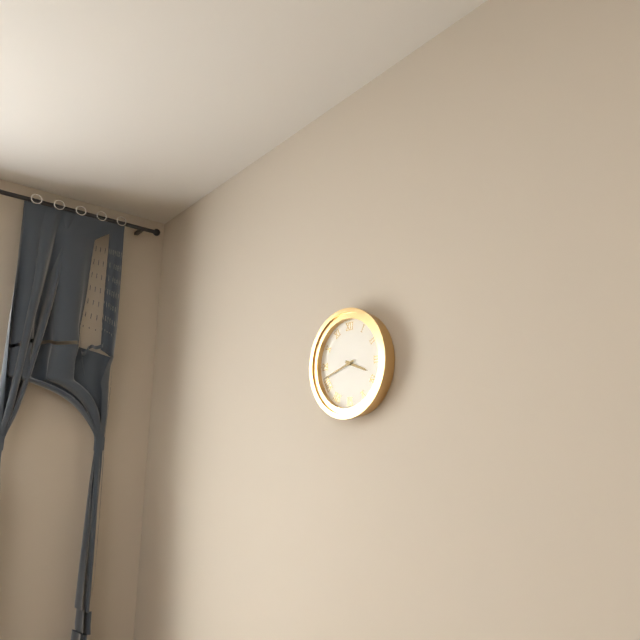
3:42
